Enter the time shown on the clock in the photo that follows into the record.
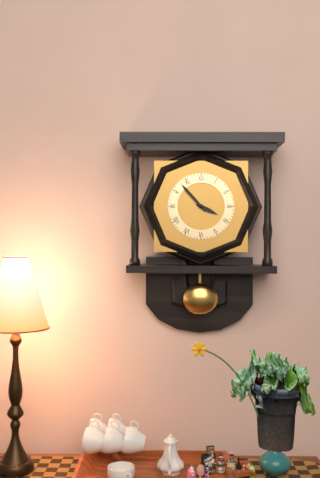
3:53
